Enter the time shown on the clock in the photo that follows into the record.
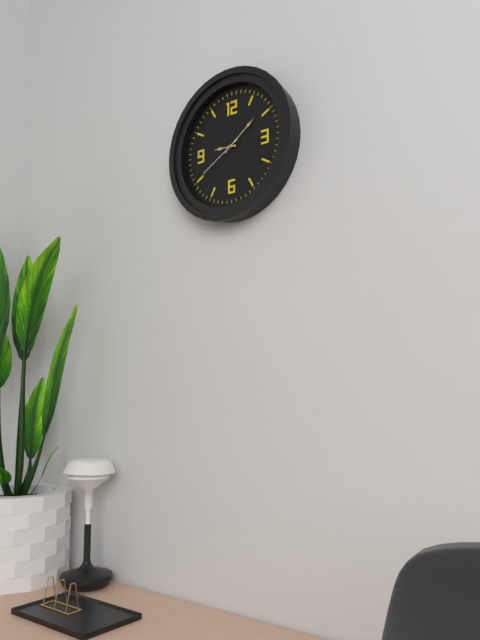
9:09
